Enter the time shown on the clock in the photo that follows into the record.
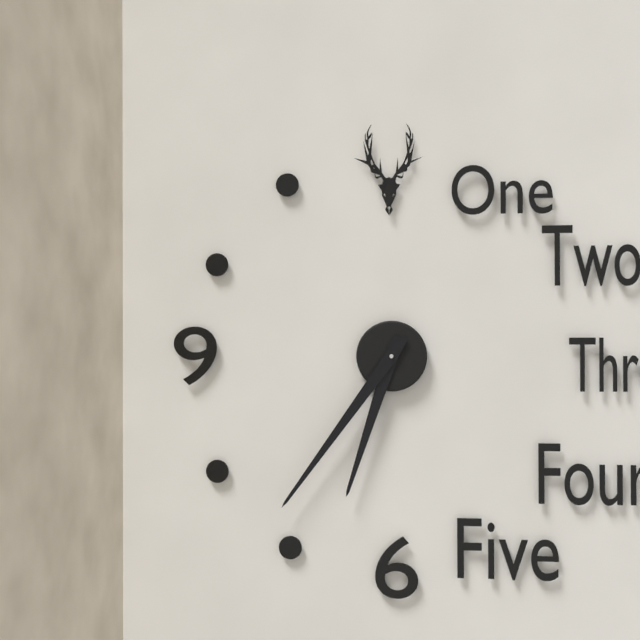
6:36
